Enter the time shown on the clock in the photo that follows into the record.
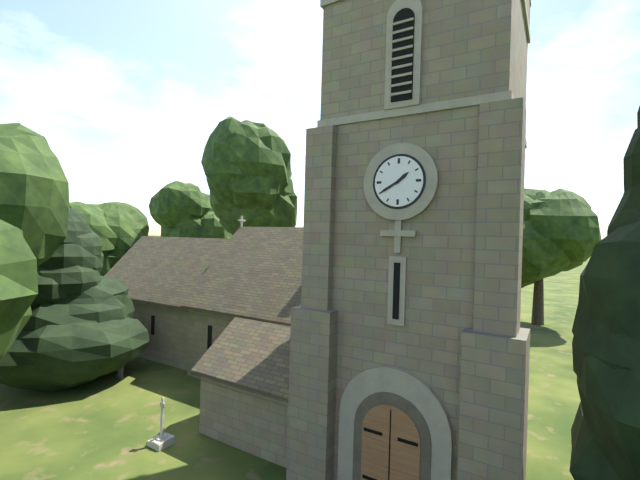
1:40
